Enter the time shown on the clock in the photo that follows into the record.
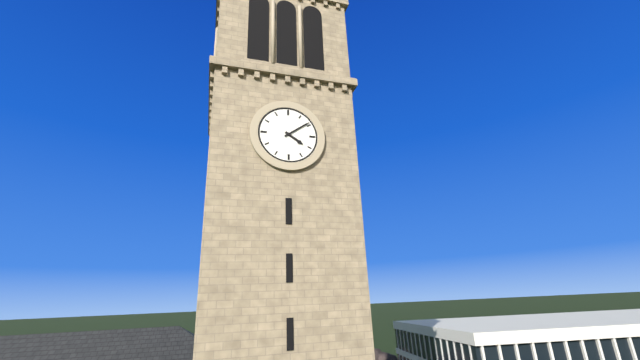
4:09
